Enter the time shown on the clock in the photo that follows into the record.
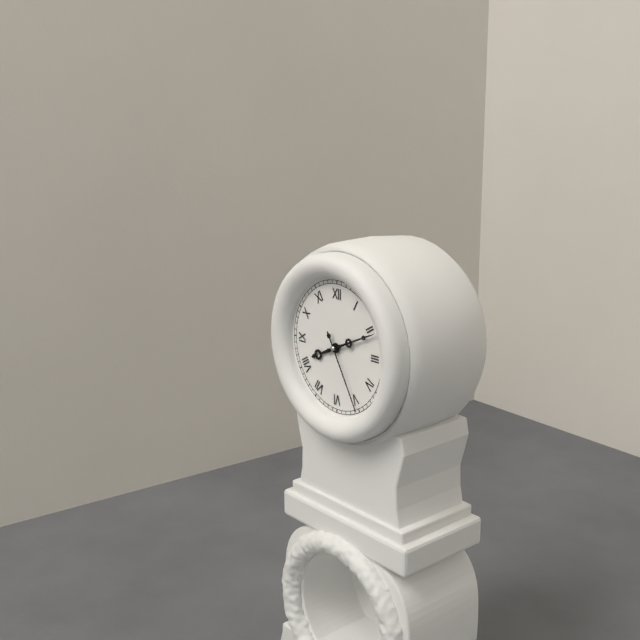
8:11:25
